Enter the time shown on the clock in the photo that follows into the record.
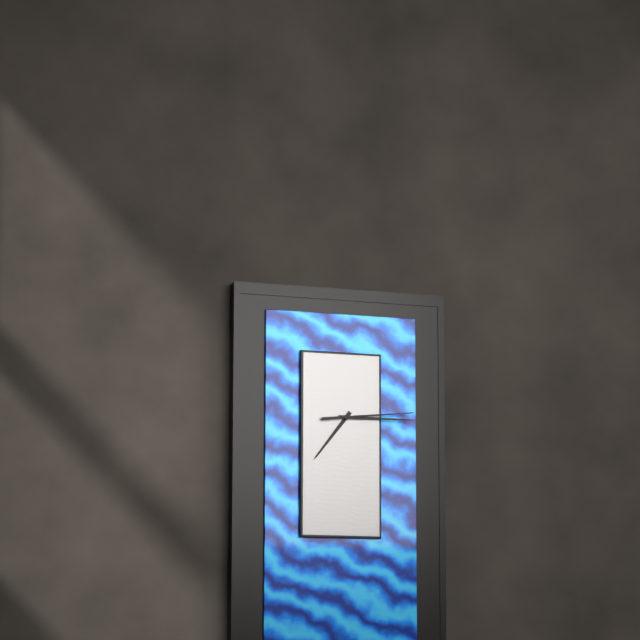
7:15:14
